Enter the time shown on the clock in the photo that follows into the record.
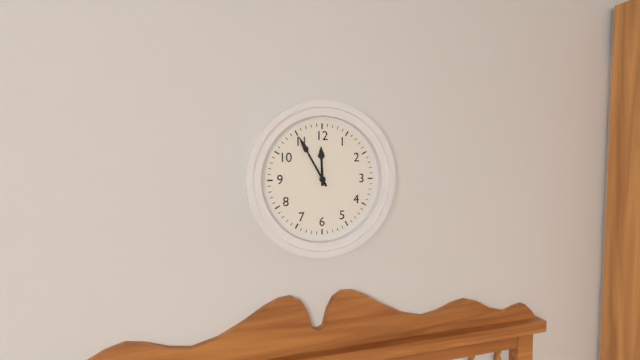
11:55
